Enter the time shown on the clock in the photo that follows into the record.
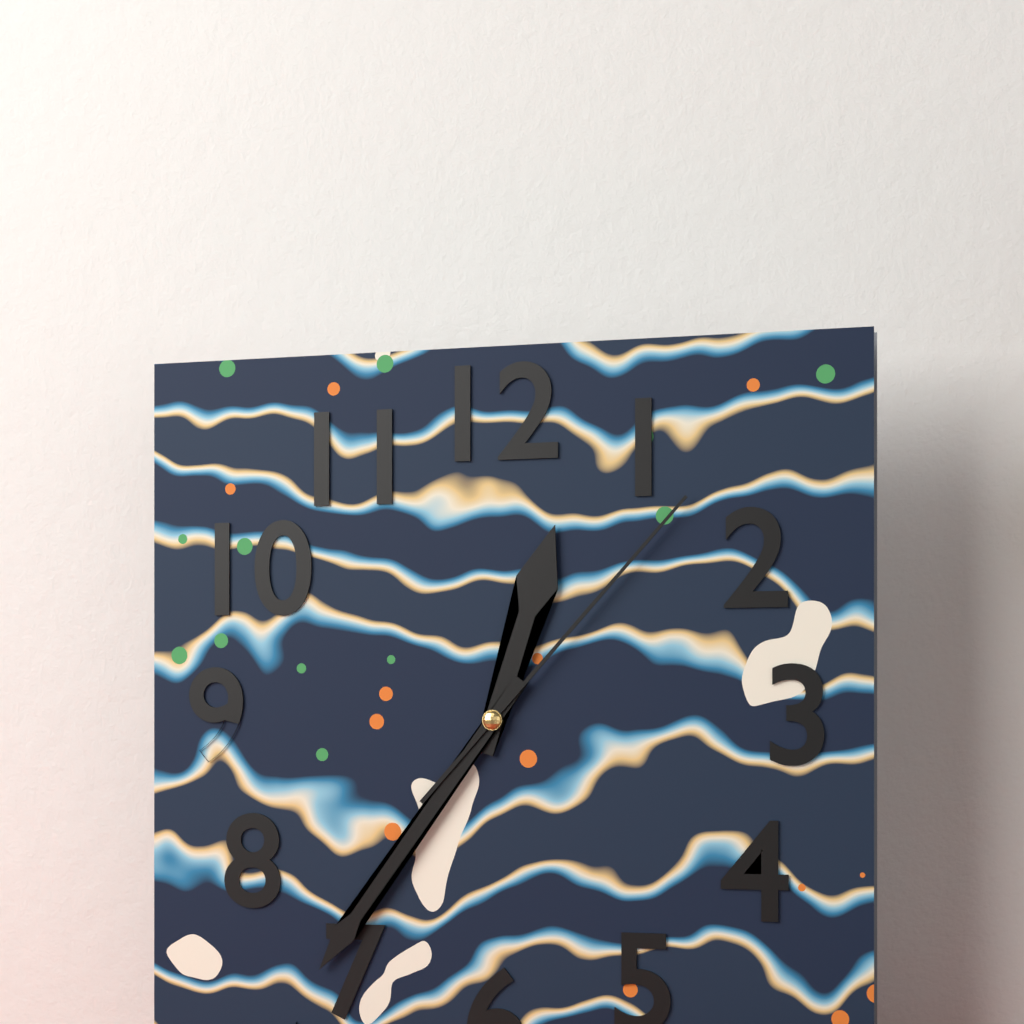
12:36:07
